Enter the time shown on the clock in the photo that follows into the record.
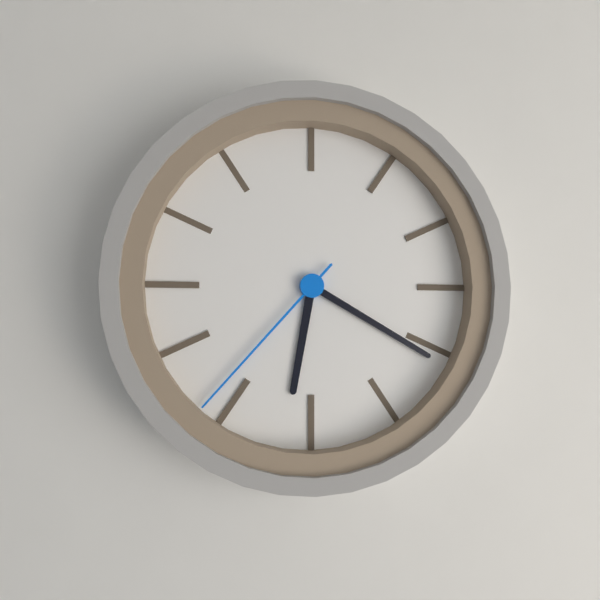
6:20:37
